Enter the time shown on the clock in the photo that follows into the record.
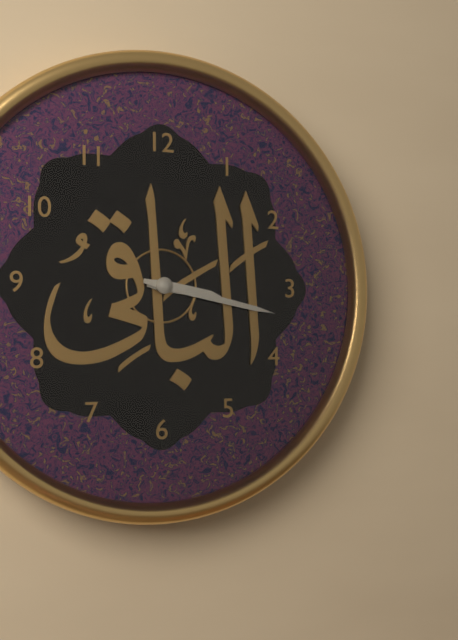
3:17
